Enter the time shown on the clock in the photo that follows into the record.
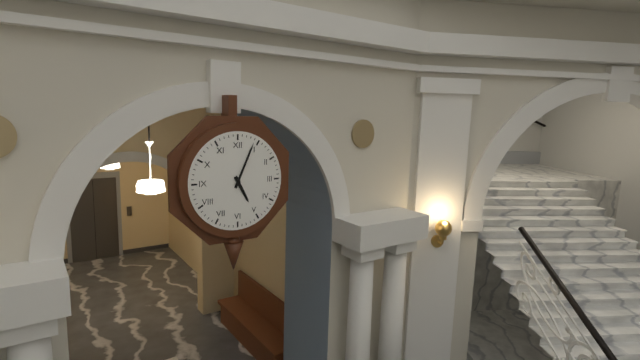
5:04
